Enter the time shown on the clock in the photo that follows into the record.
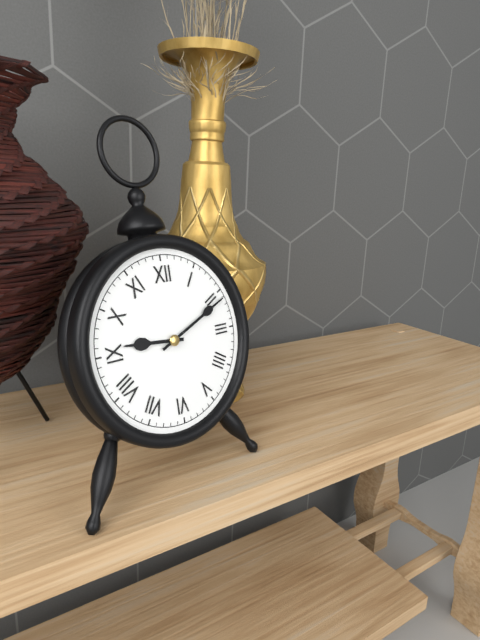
9:11
